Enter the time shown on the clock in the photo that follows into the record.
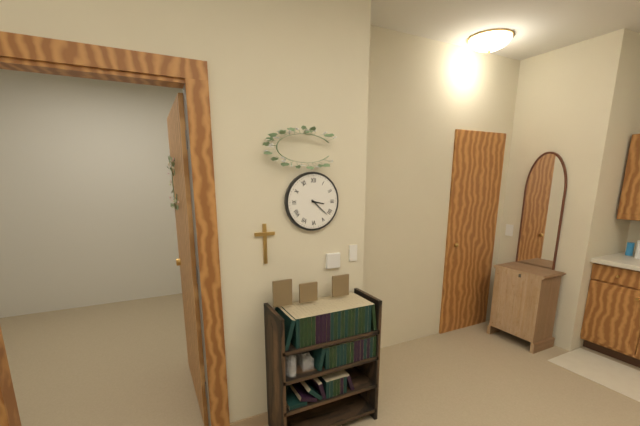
3:22
